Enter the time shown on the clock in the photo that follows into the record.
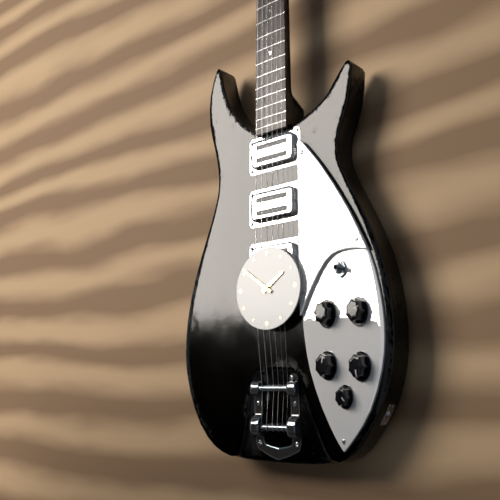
1:51
